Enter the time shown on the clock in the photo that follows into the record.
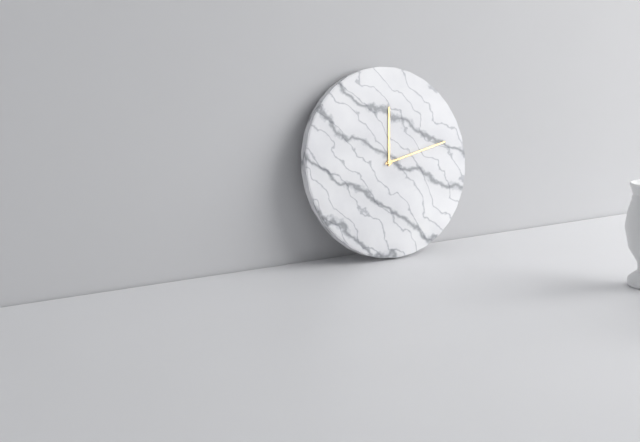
12:13
